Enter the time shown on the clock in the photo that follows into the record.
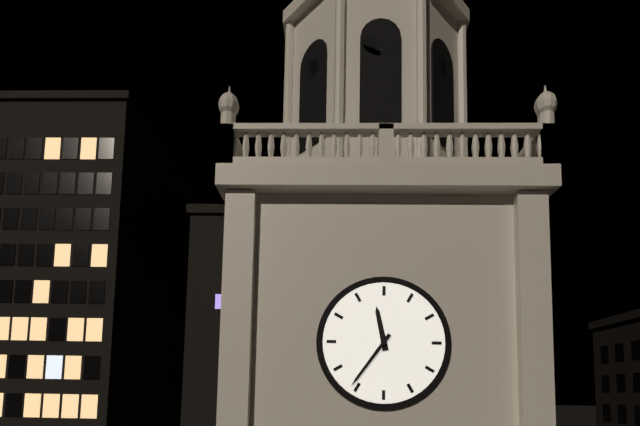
11:36
